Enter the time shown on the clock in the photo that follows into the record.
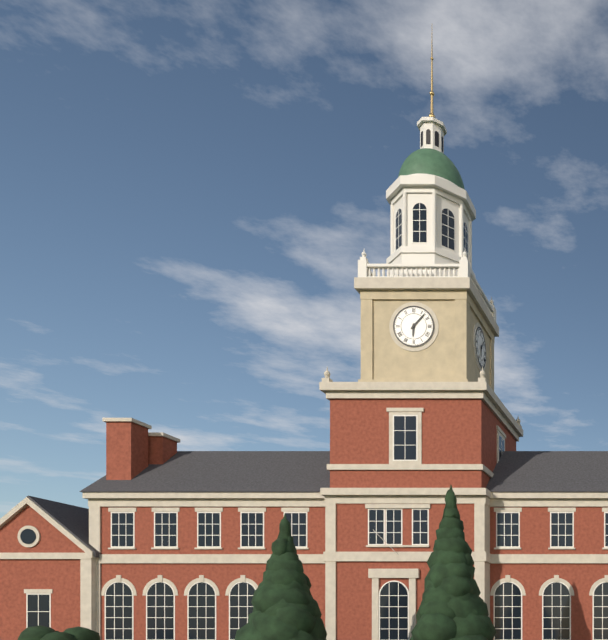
6:07
